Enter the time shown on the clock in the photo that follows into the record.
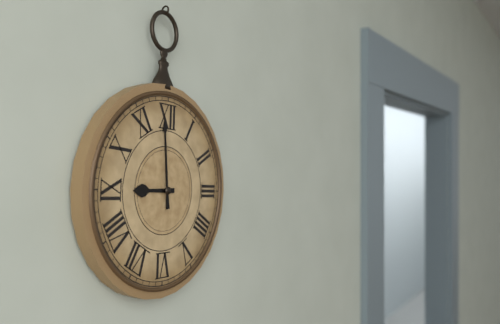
8:59
